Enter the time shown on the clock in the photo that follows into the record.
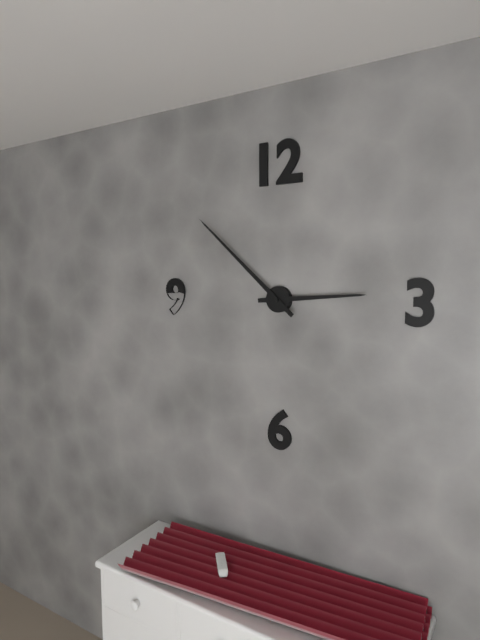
2:52
